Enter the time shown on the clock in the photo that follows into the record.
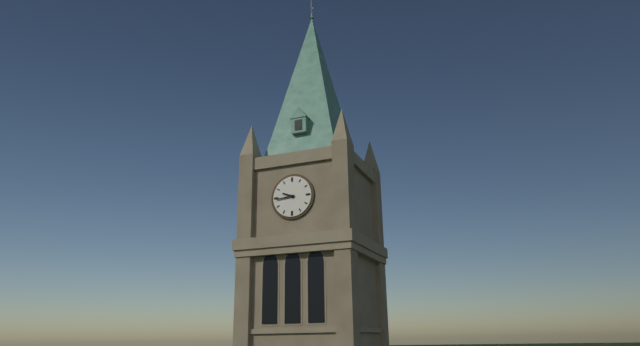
9:44
